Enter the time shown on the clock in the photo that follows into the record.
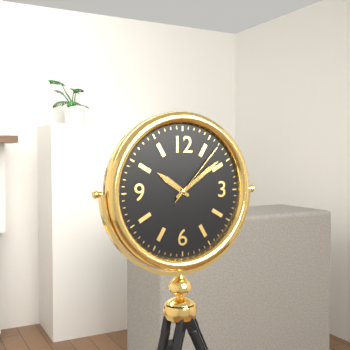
10:09:07
